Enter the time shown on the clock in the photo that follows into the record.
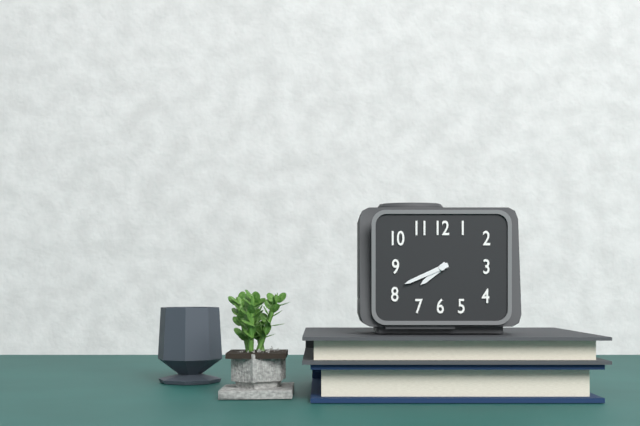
7:41
